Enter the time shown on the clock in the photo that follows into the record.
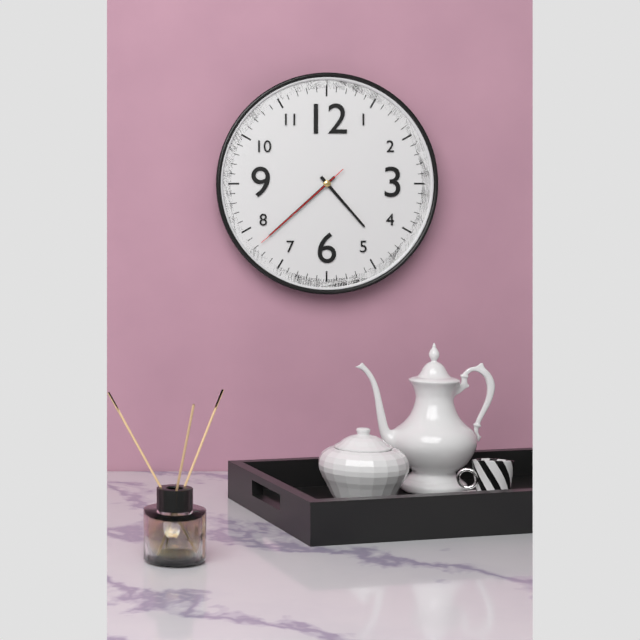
4:38:38
